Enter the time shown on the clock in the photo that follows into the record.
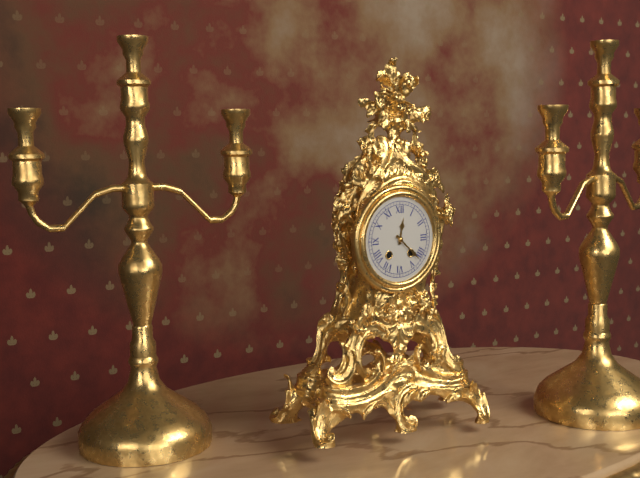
12:22
